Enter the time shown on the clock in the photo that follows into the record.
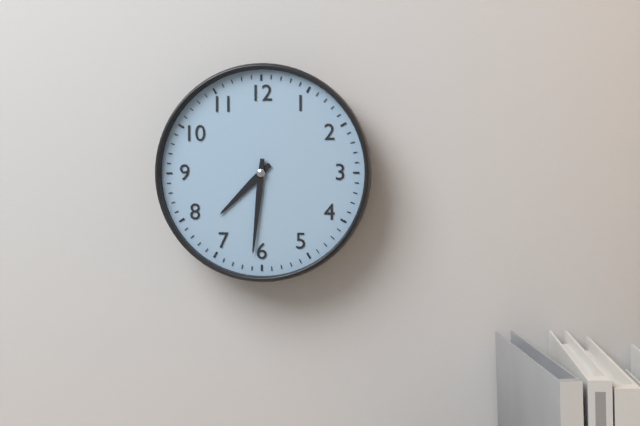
7:31
